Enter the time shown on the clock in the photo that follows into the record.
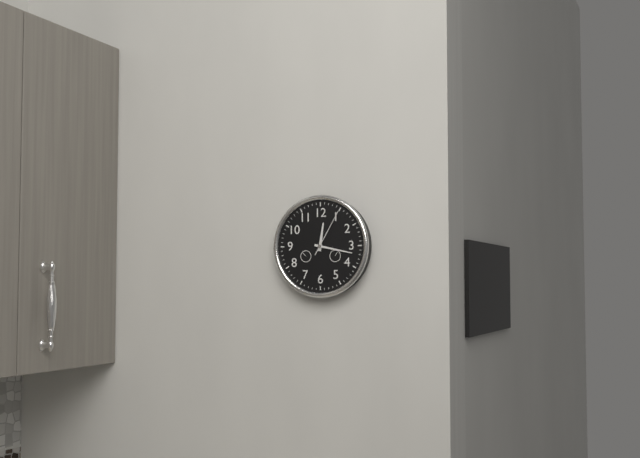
12:17
